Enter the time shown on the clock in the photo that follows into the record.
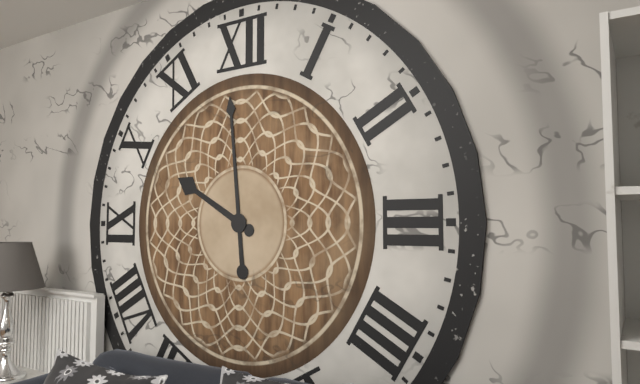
9:59
